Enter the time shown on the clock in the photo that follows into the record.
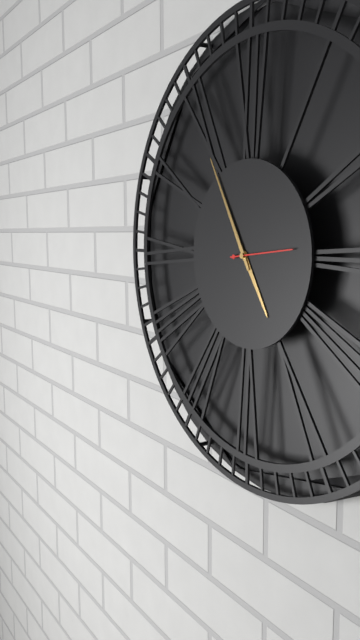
4:55
